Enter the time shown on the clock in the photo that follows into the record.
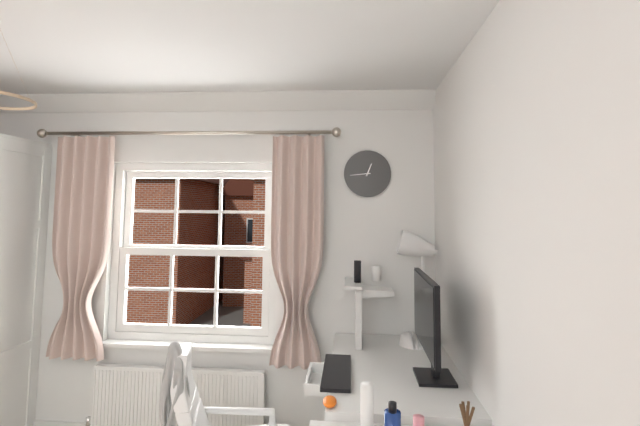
12:44
